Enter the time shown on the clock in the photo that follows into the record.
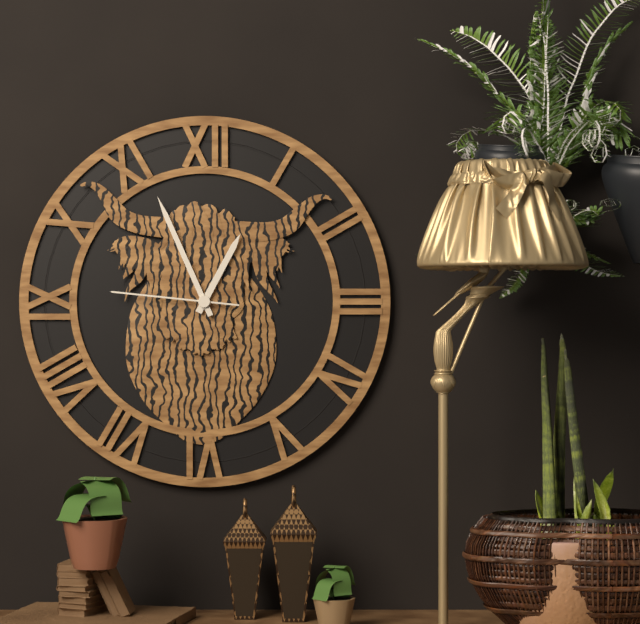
12:56:46
